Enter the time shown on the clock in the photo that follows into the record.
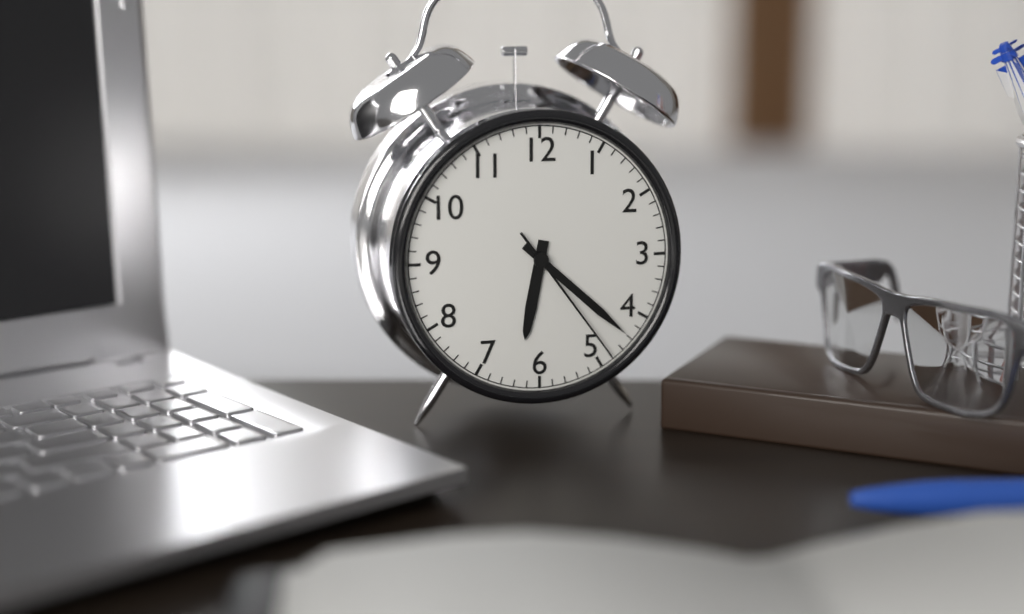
6:22:24
